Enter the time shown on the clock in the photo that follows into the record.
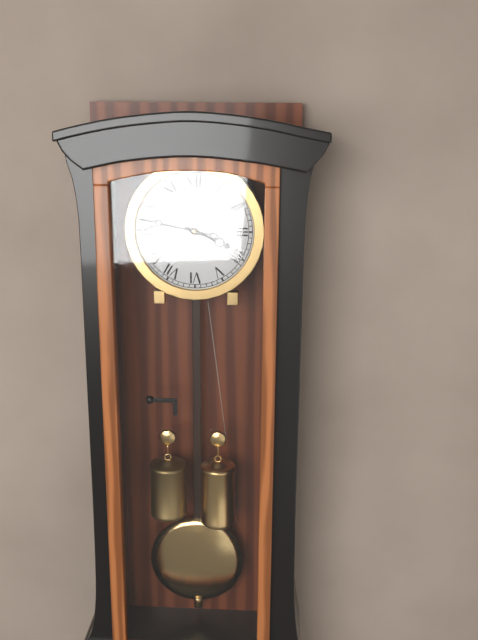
3:47
